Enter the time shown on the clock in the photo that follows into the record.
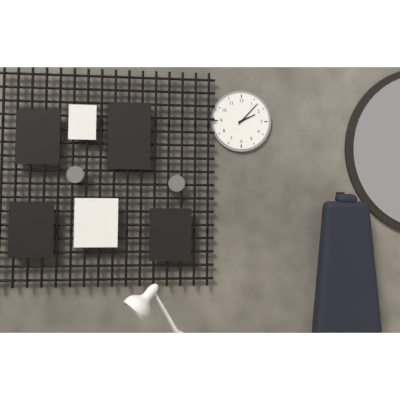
2:07
